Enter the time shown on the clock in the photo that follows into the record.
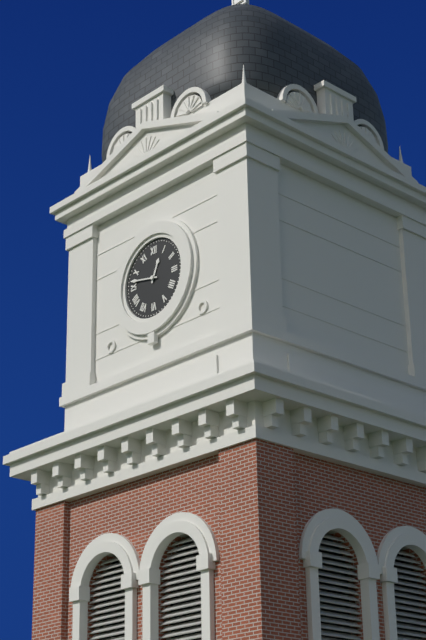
12:47
